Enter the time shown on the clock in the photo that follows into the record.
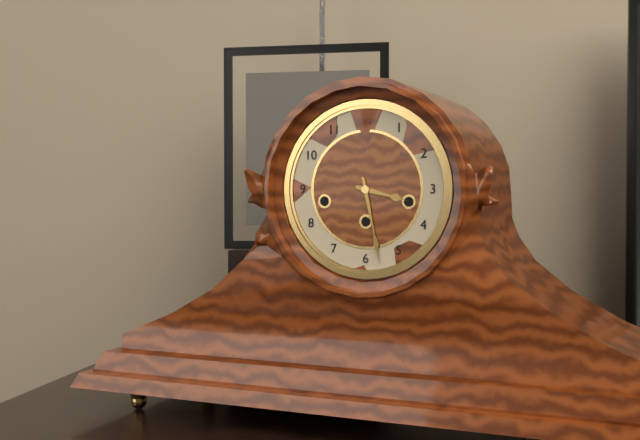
3:28
